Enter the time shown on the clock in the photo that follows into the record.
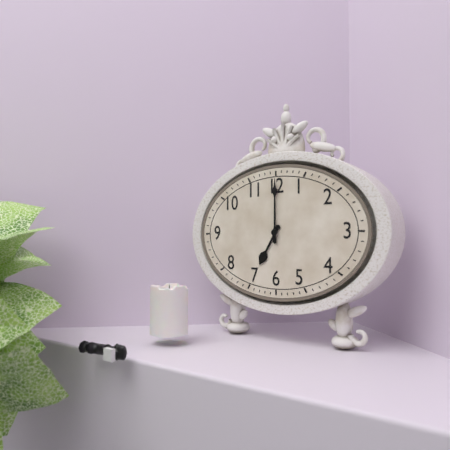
7:00
